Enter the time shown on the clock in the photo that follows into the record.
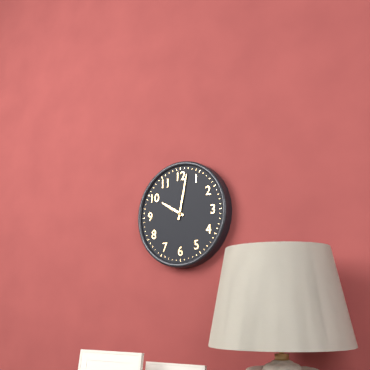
10:02
